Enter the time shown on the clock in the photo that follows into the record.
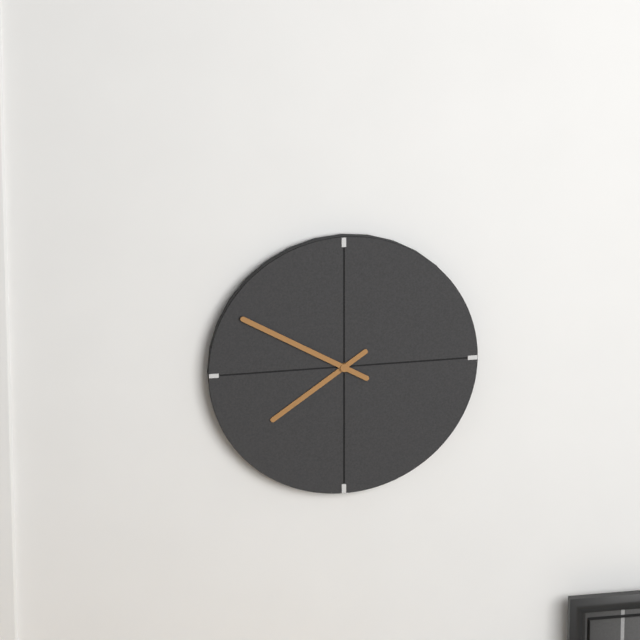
7:50
